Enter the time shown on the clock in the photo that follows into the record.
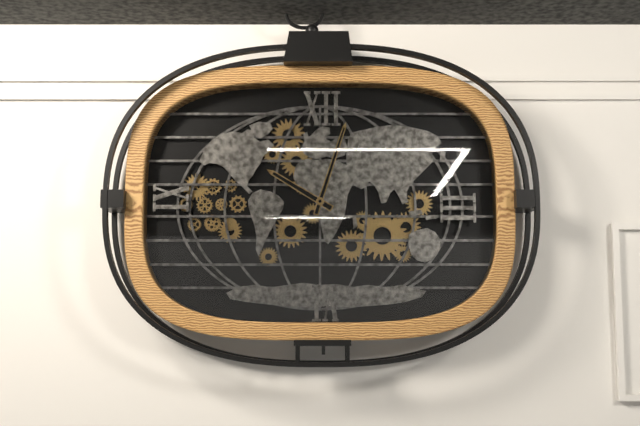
10:03
